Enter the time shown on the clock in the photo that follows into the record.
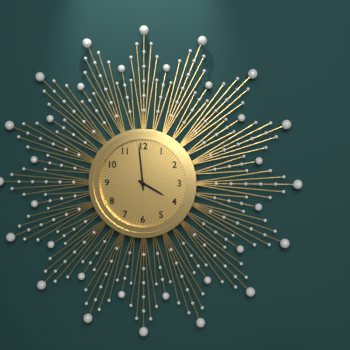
3:59
